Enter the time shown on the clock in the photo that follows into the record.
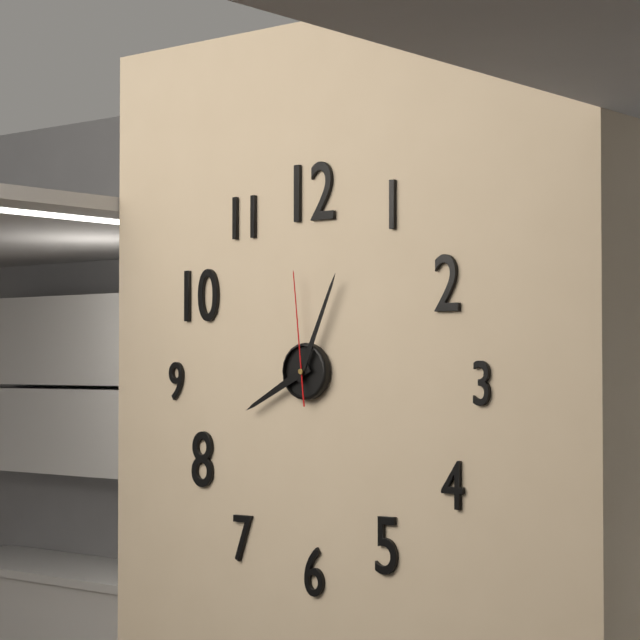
8:04:59
